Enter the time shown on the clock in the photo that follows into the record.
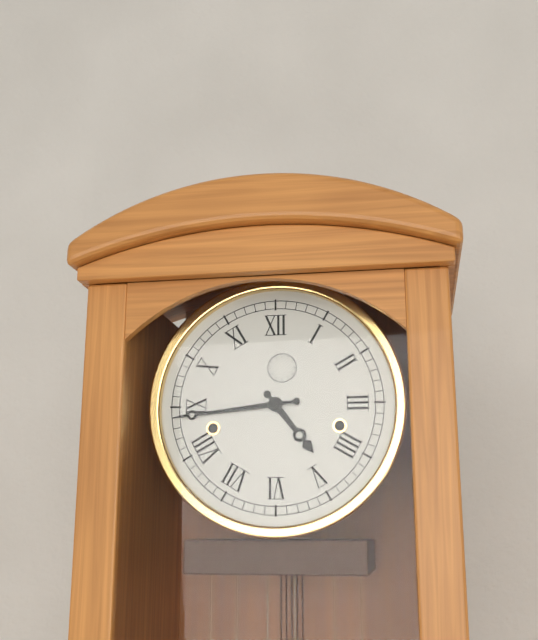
4:44
